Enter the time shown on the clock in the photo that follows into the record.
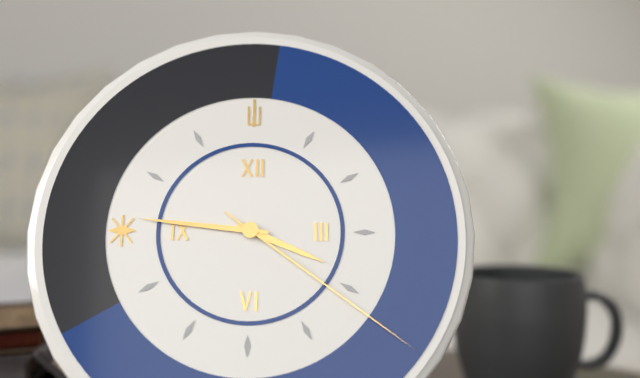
3:46:21
